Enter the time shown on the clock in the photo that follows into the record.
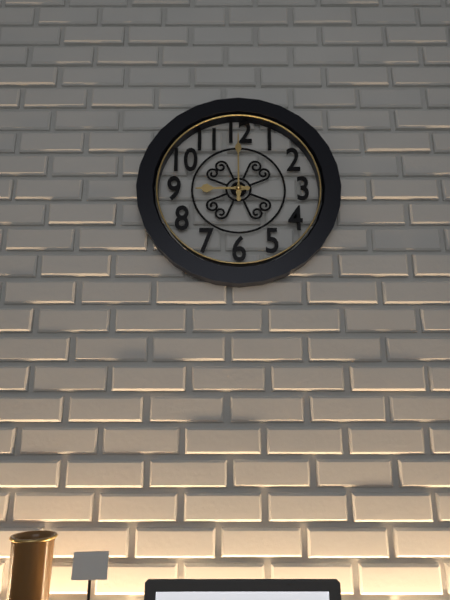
9:00
